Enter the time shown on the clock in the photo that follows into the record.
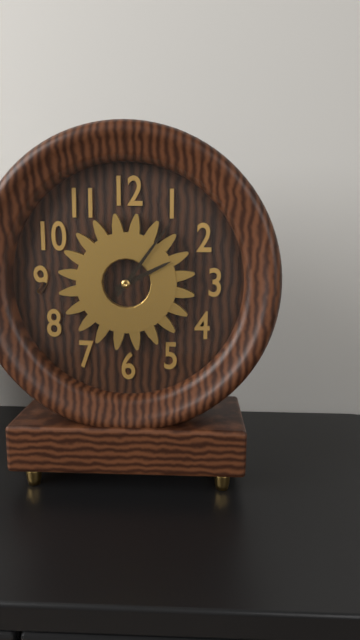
2:06
